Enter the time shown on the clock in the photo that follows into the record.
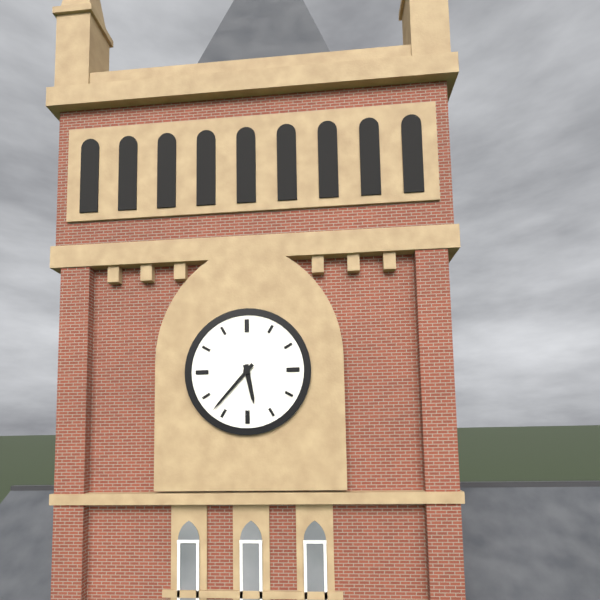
5:37
